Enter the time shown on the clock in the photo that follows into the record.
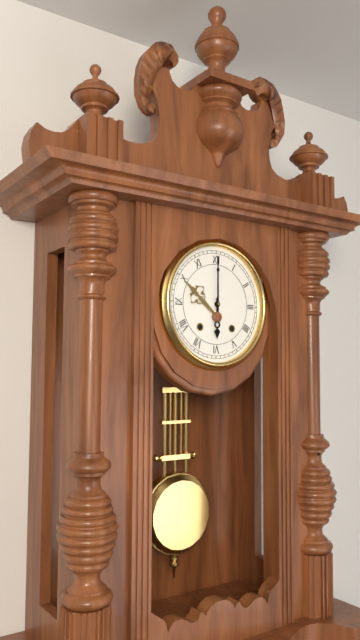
6:00
